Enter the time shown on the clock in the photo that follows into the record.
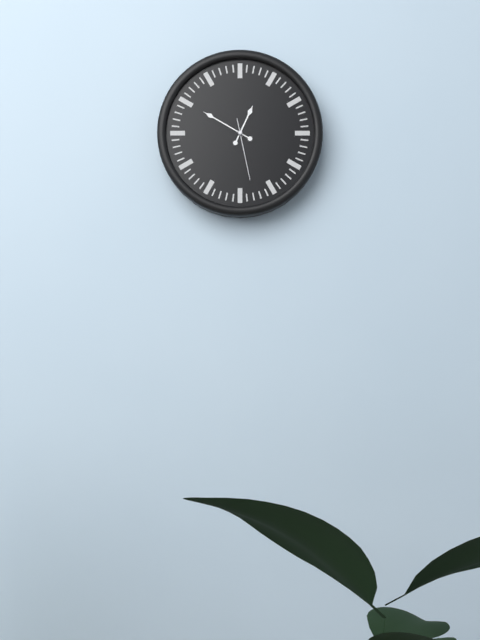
12:50:28
